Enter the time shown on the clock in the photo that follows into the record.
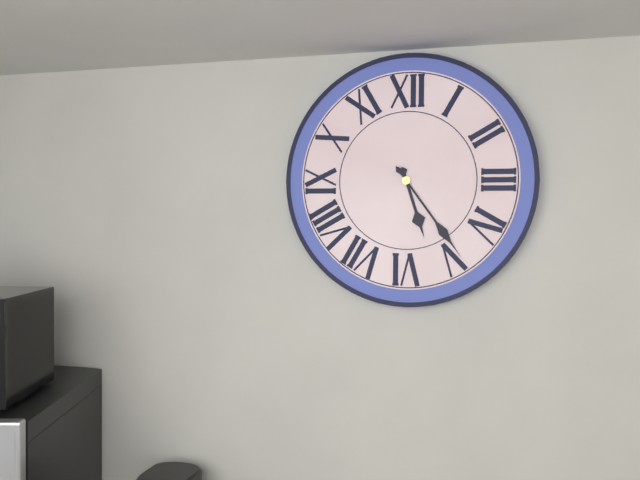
5:24
